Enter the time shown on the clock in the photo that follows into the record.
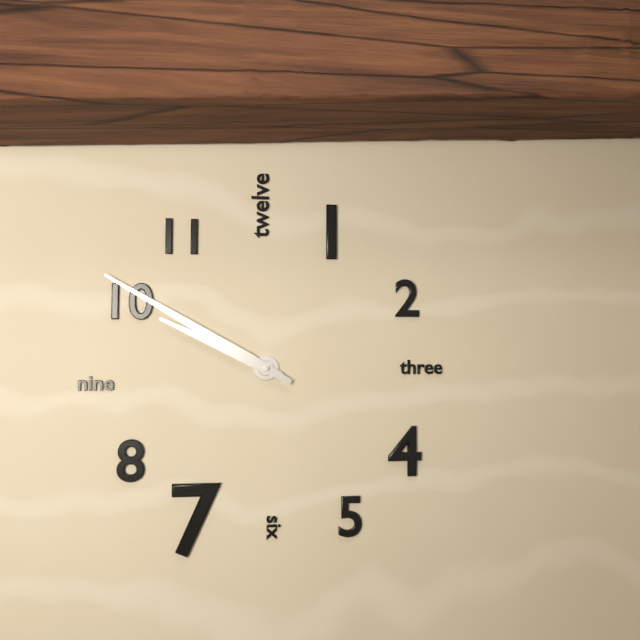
9:50
